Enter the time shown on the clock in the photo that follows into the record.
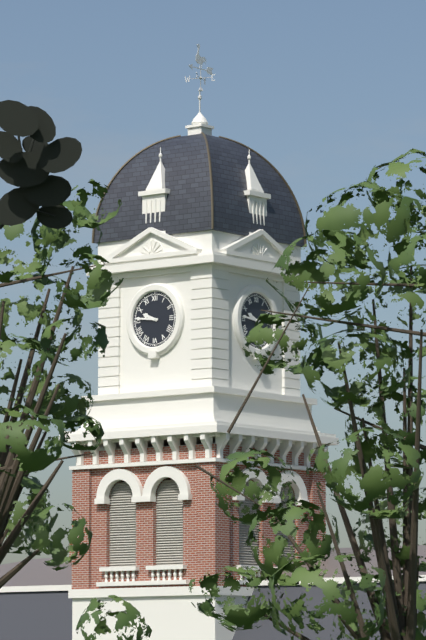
9:46
